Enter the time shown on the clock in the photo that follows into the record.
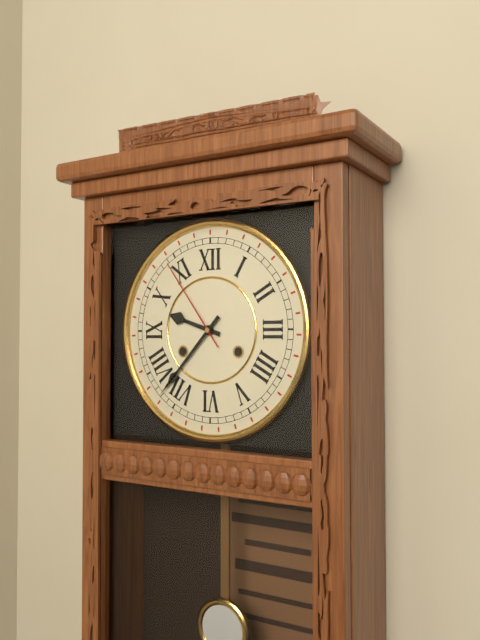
9:37:54
